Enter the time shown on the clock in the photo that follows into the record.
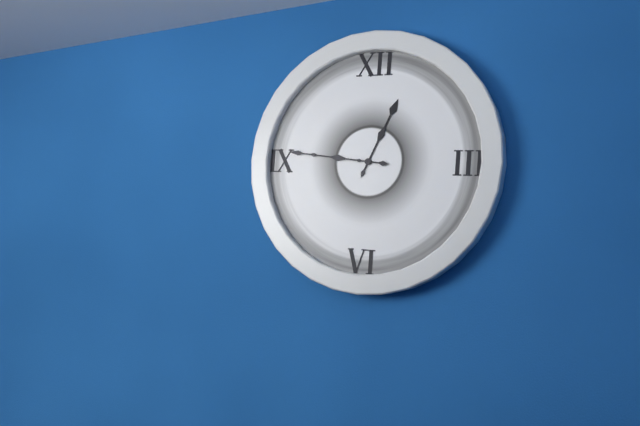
12:46
